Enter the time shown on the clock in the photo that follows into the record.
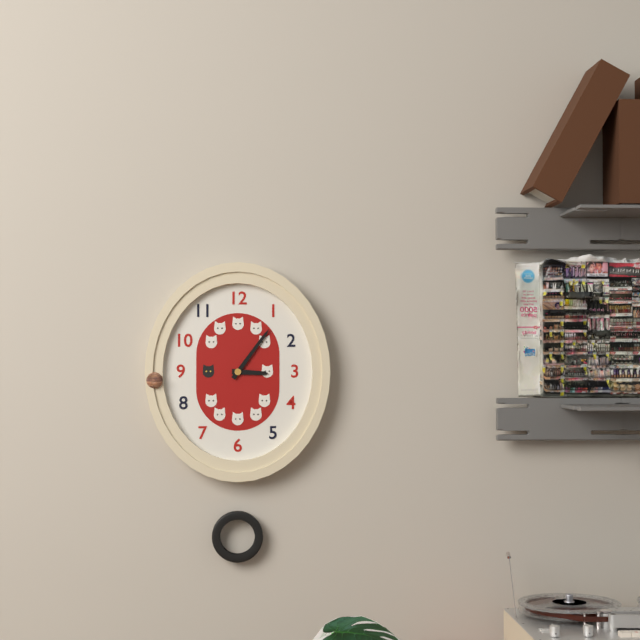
3:06
